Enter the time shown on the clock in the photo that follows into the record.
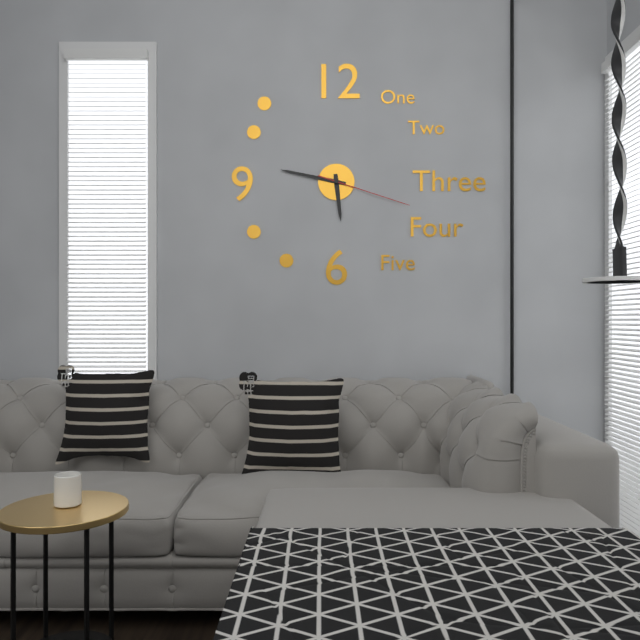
5:47:18
